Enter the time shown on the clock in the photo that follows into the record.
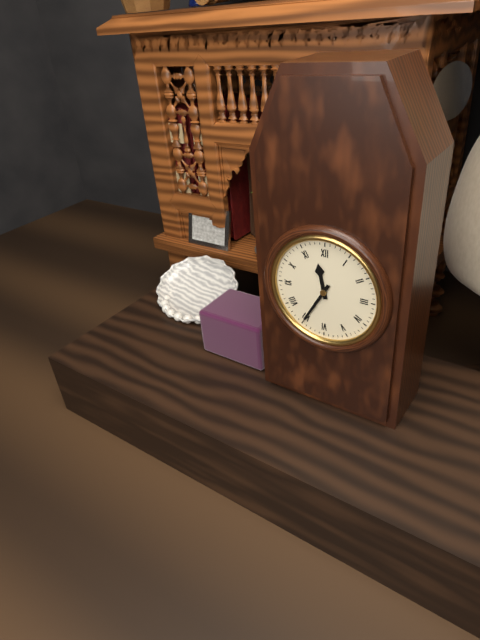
11:35
